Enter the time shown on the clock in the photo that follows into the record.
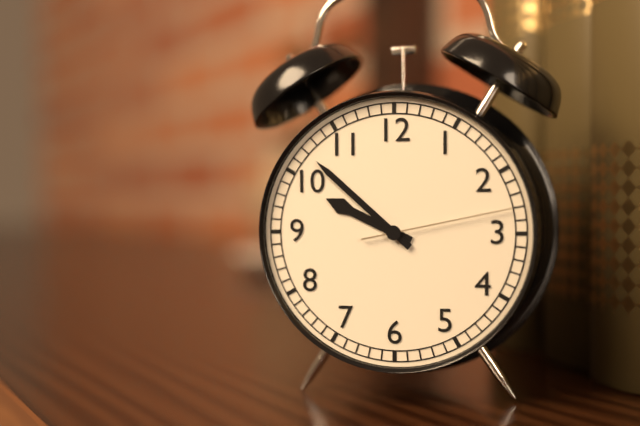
9:52:13
